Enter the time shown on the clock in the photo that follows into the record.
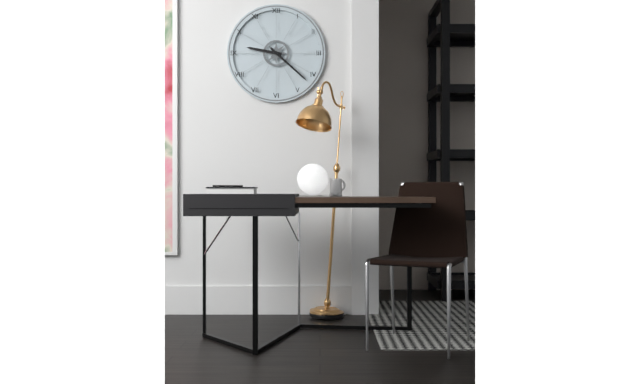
9:22
